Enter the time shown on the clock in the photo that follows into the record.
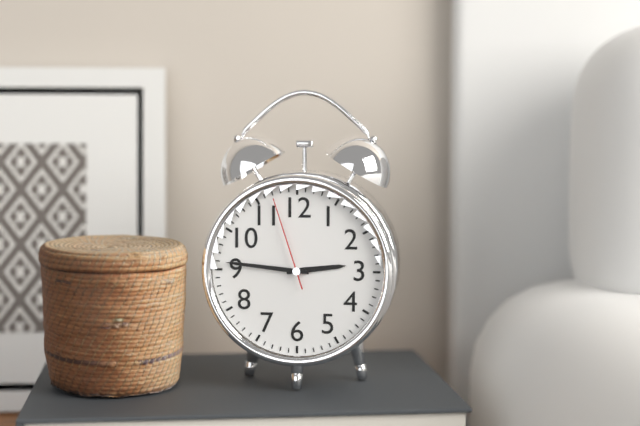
2:46:57
